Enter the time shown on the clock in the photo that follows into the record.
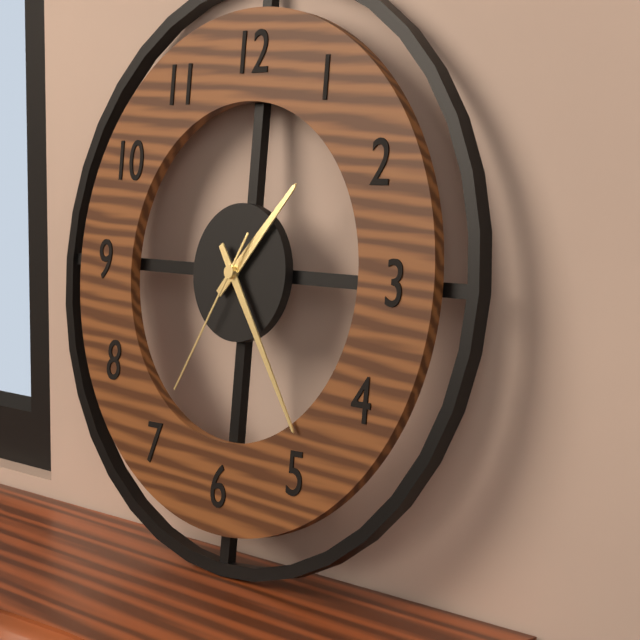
1:24:35
